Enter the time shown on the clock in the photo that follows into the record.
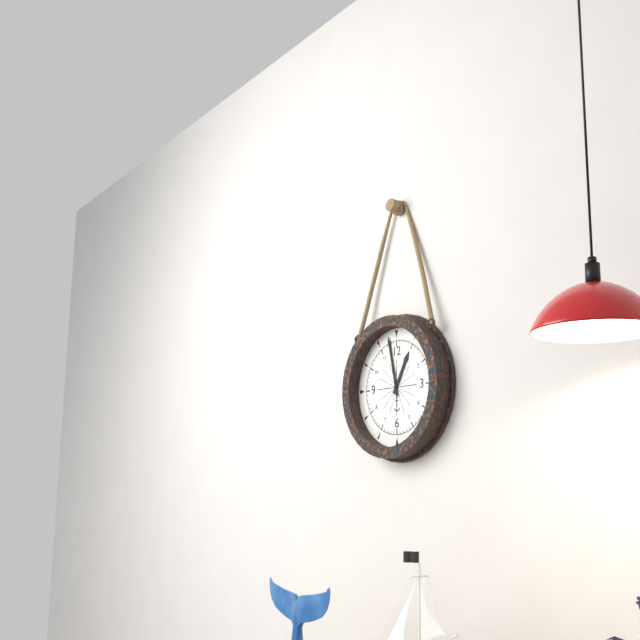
12:58
